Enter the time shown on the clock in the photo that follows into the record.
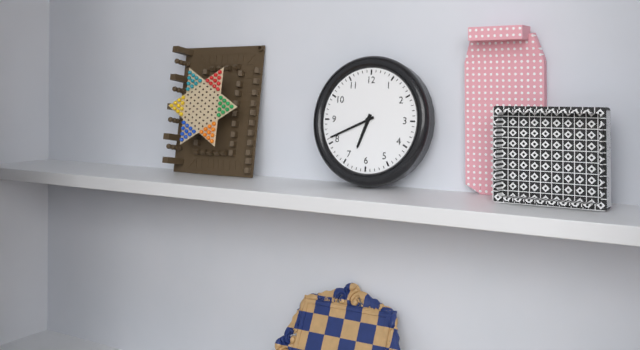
6:41
